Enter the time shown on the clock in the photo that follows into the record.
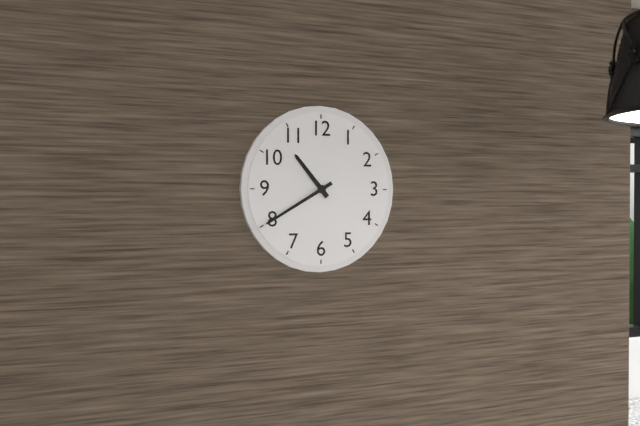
10:40
